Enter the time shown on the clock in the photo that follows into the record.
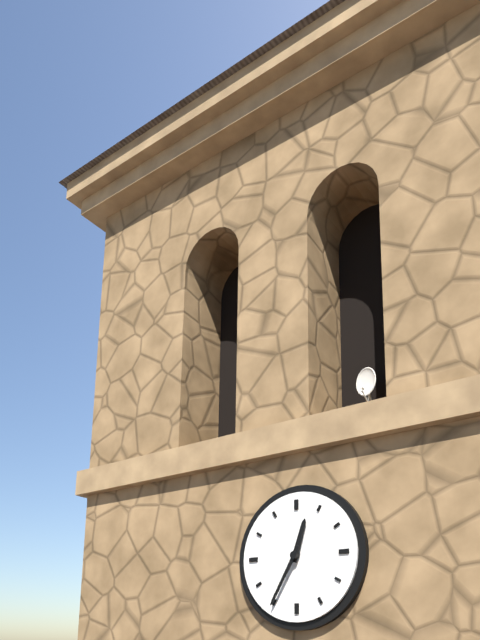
12:35
